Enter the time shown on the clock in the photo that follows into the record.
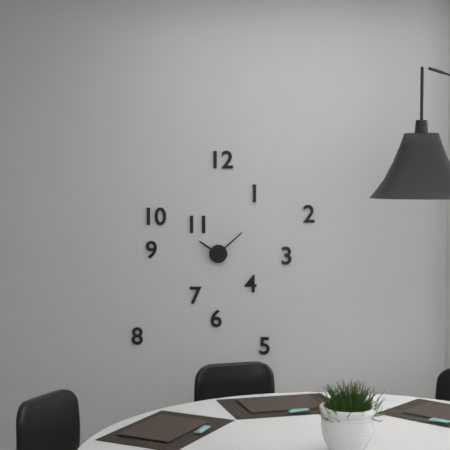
10:08
